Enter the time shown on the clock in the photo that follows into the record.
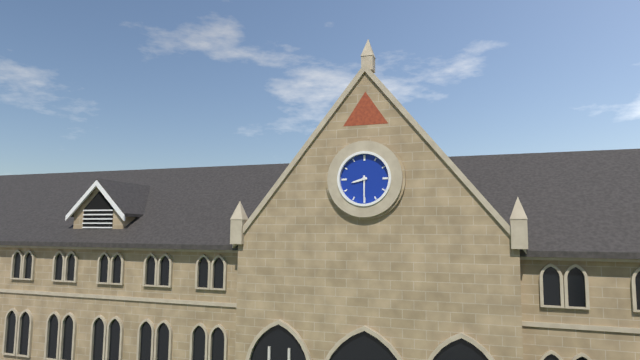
8:30
